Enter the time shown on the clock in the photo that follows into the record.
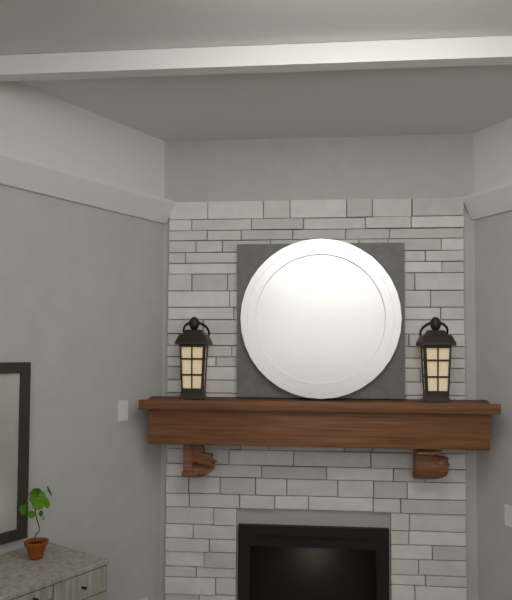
4:56
